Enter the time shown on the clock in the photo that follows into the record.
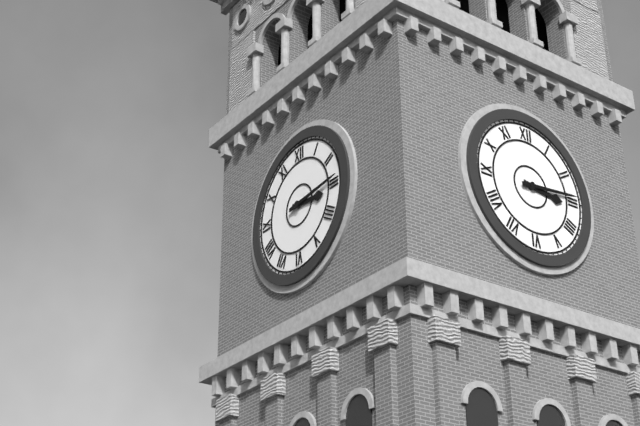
3:14
